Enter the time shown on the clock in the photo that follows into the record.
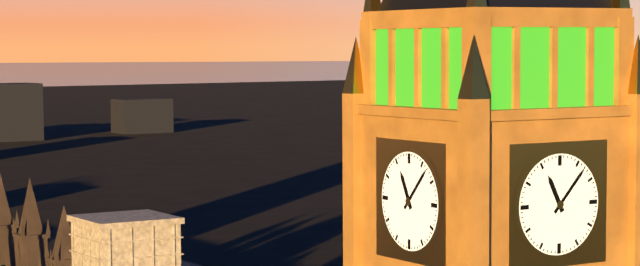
11:07
